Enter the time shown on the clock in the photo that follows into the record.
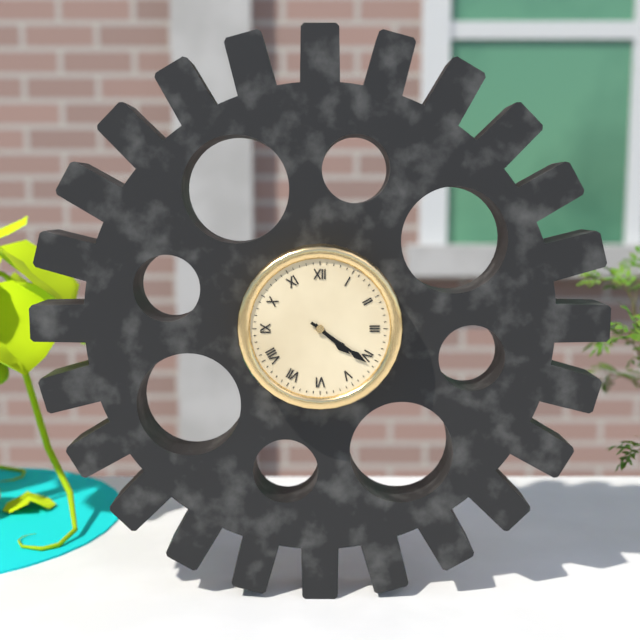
4:21
